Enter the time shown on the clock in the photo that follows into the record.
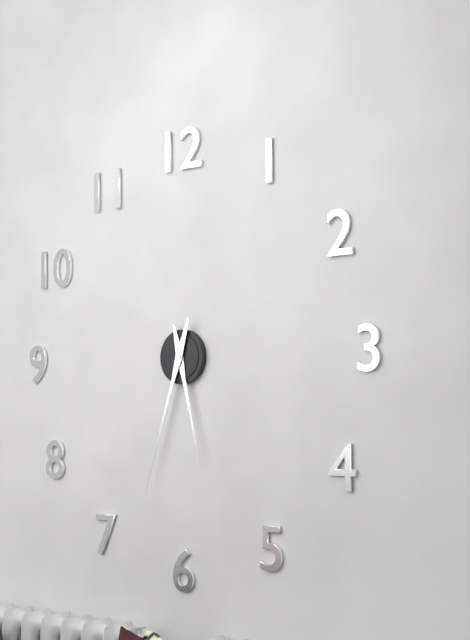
5:33
